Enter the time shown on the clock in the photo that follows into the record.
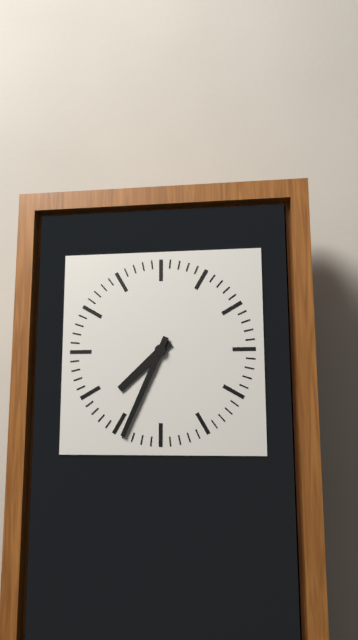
7:34
